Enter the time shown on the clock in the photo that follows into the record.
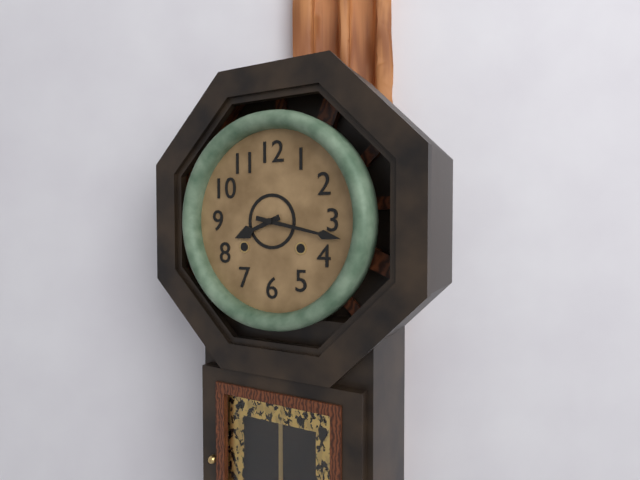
8:17
